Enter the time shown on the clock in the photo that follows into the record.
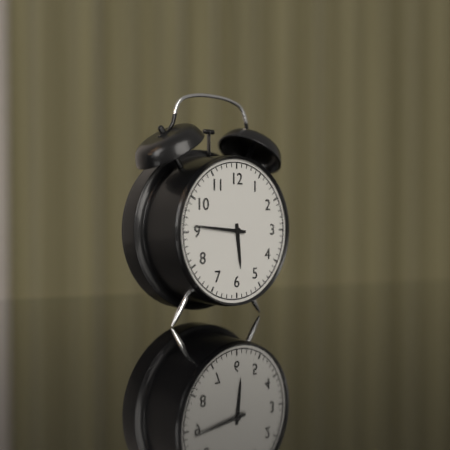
5:46
